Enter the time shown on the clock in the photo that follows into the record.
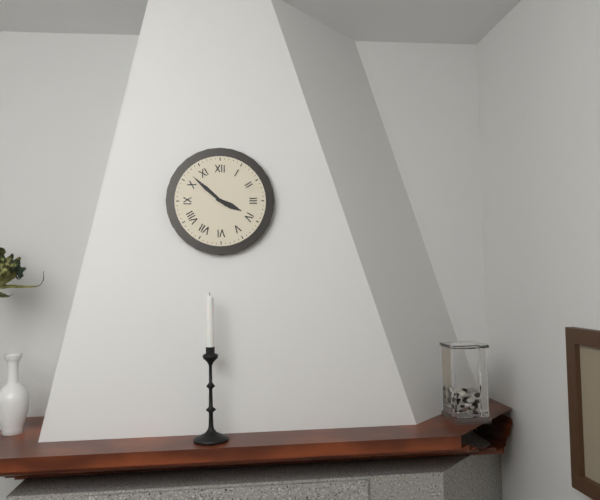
3:52
